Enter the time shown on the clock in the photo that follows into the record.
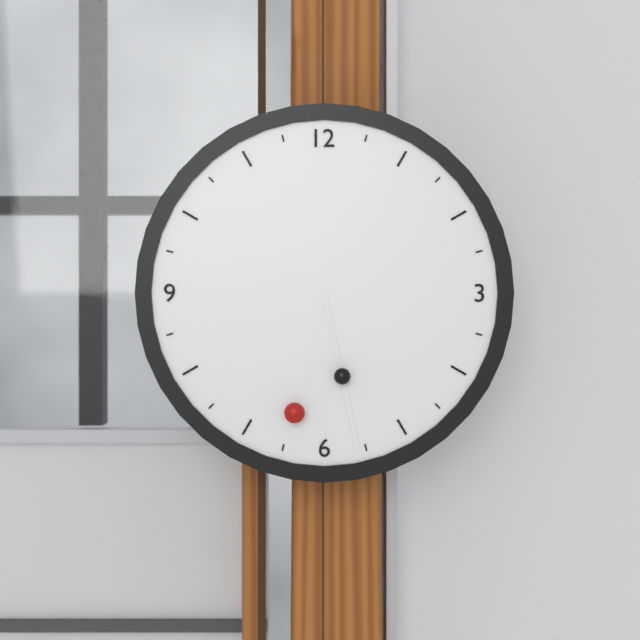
6:28
